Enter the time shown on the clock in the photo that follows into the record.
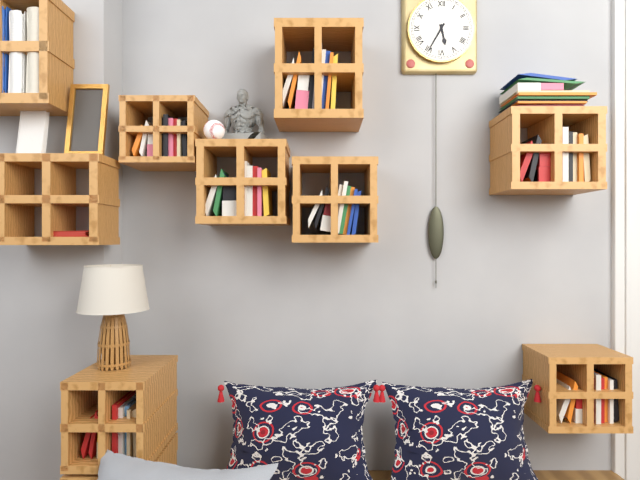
5:35
